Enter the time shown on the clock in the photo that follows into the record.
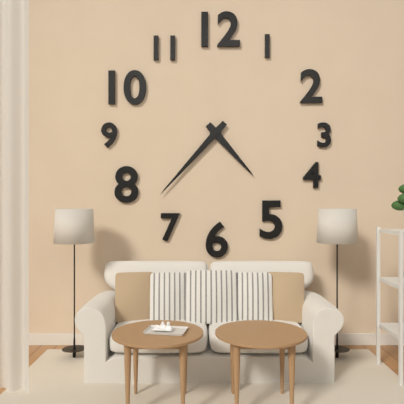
4:37
